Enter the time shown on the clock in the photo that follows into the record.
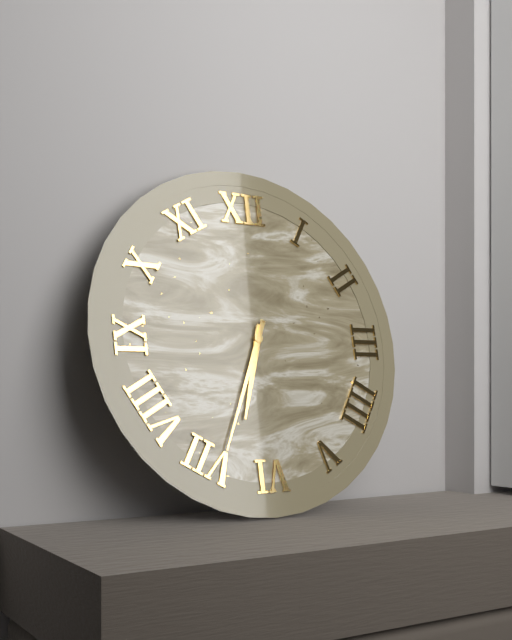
6:34
